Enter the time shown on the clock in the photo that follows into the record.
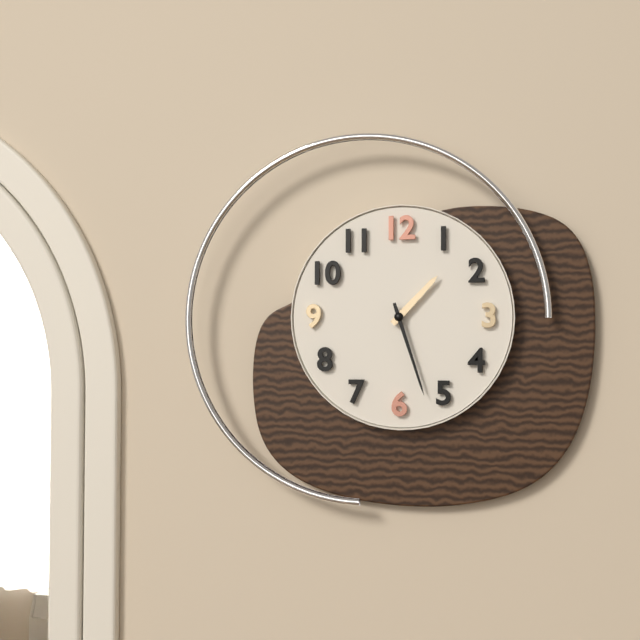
1:27
